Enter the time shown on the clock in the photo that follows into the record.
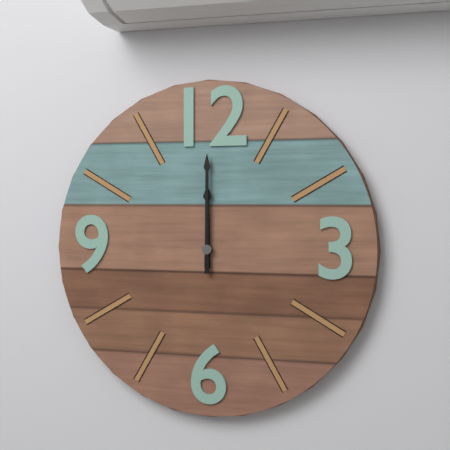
12:00
